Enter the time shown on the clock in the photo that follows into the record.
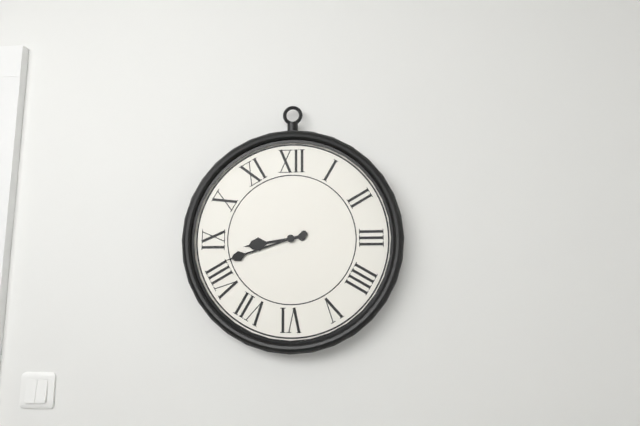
8:42
